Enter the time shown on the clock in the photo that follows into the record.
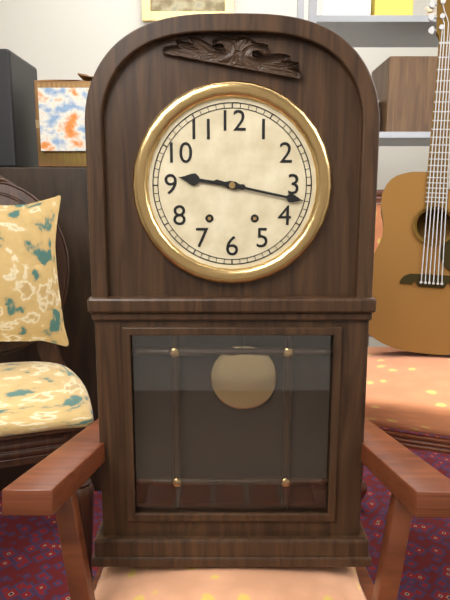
9:17
